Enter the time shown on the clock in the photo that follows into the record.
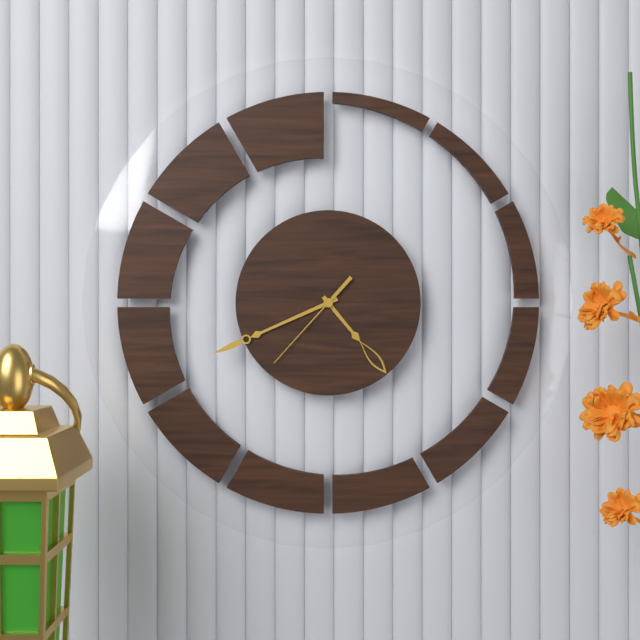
4:41:37
